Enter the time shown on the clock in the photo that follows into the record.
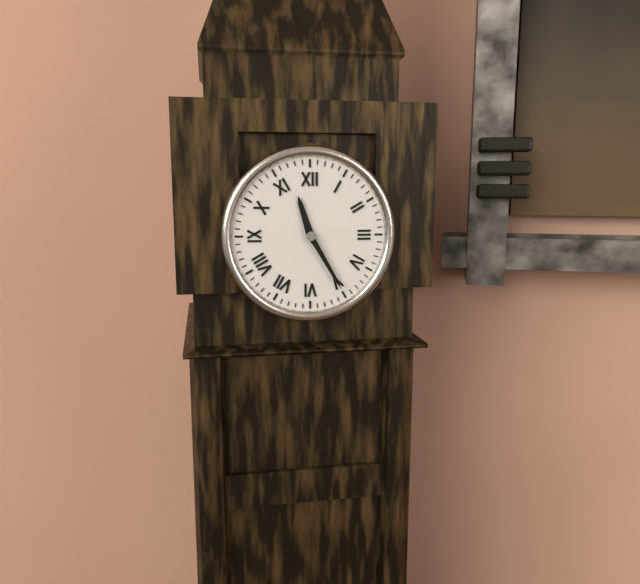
11:25
